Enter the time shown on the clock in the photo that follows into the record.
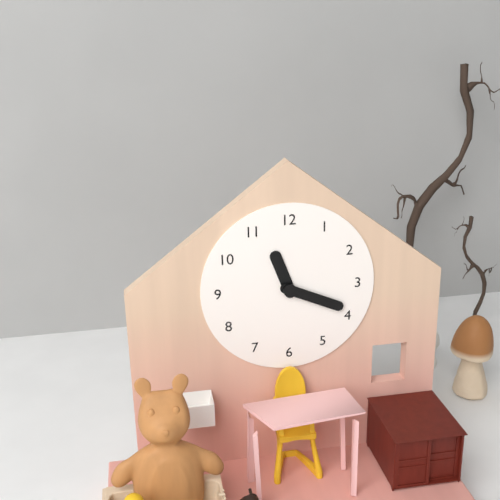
11:19
